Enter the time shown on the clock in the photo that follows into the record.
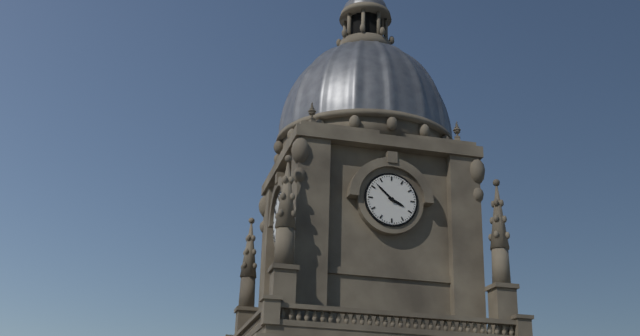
3:52
